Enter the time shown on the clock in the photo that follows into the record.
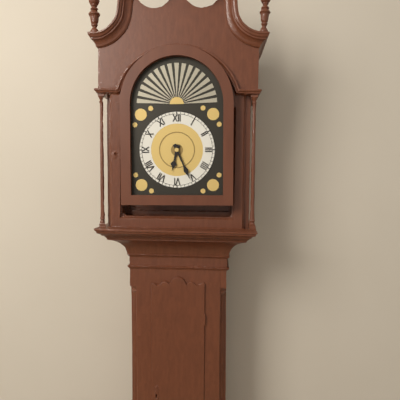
6:26
